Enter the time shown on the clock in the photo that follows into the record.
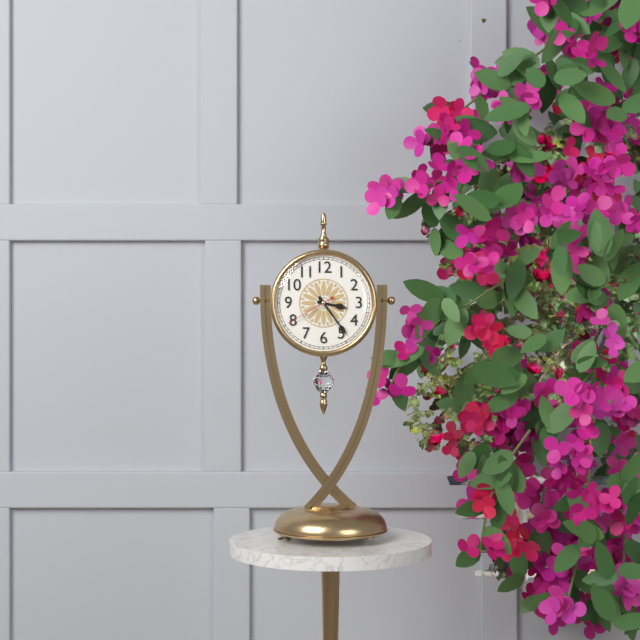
3:24:40
